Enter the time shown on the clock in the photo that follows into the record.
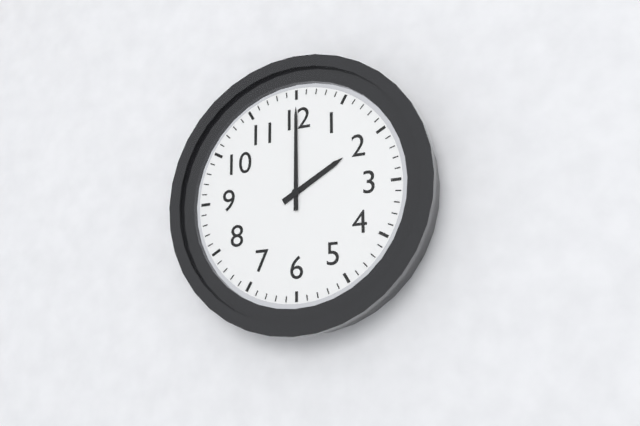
2:00
